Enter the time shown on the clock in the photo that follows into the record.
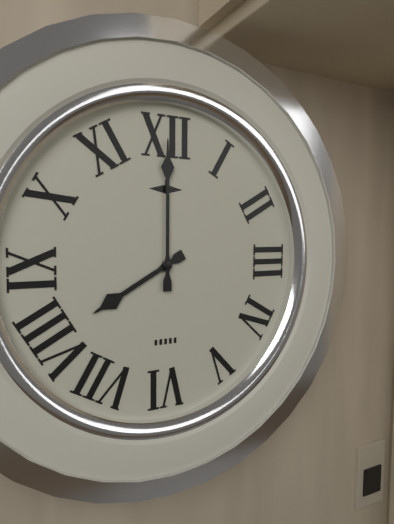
8:00
